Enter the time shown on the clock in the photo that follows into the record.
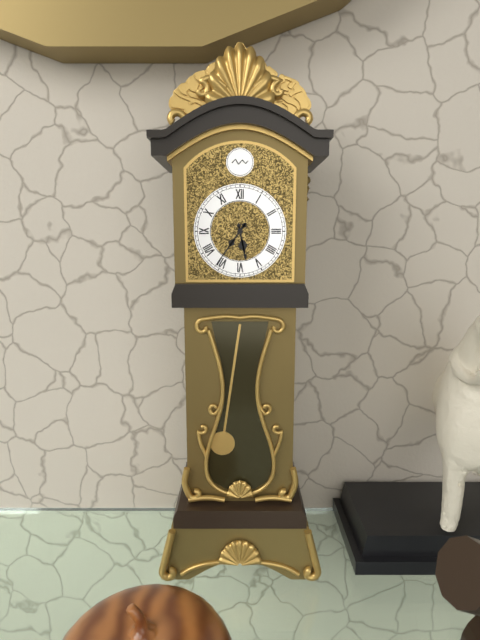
5:36
